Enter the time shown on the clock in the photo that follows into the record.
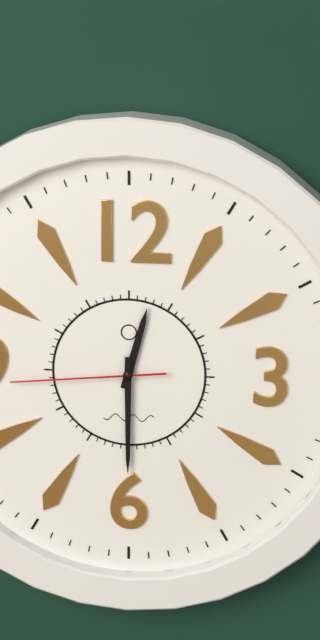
12:30:44
